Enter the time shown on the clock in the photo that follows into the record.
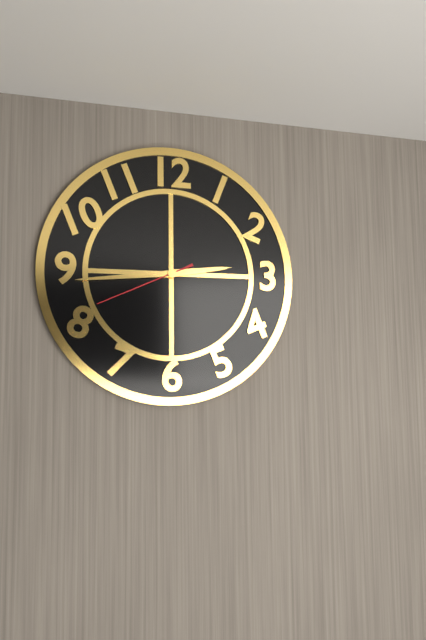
2:44:41
